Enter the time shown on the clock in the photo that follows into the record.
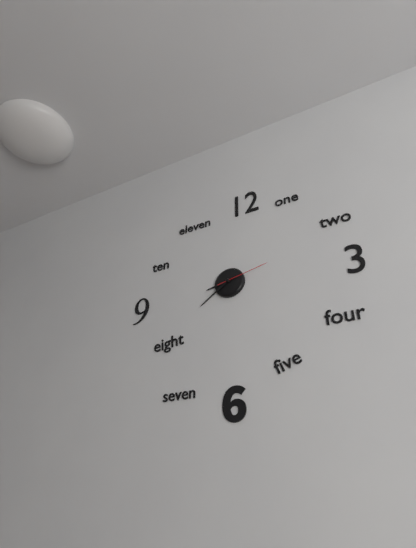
8:39:13
